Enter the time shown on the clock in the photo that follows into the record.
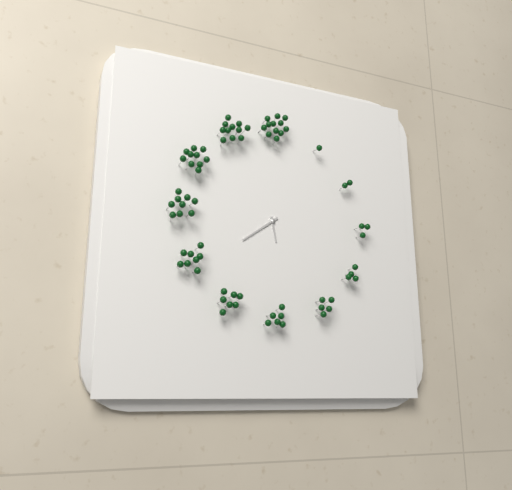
5:39
